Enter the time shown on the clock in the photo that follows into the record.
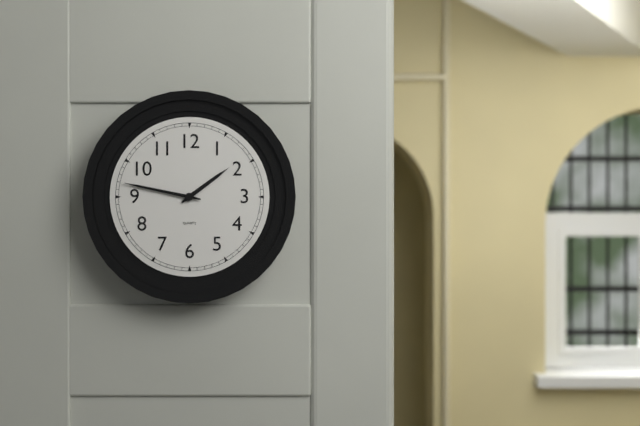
1:47
